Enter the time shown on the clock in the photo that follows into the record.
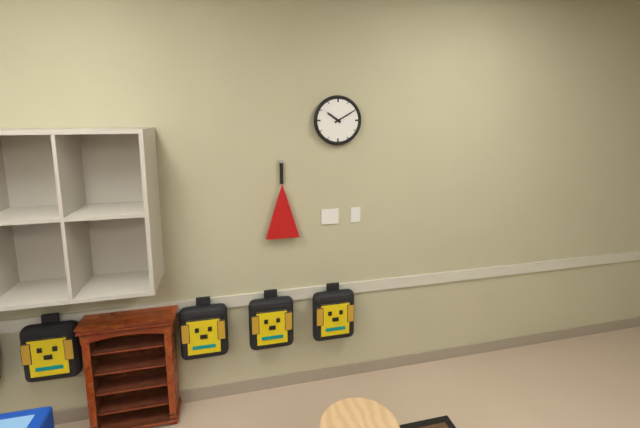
10:10
